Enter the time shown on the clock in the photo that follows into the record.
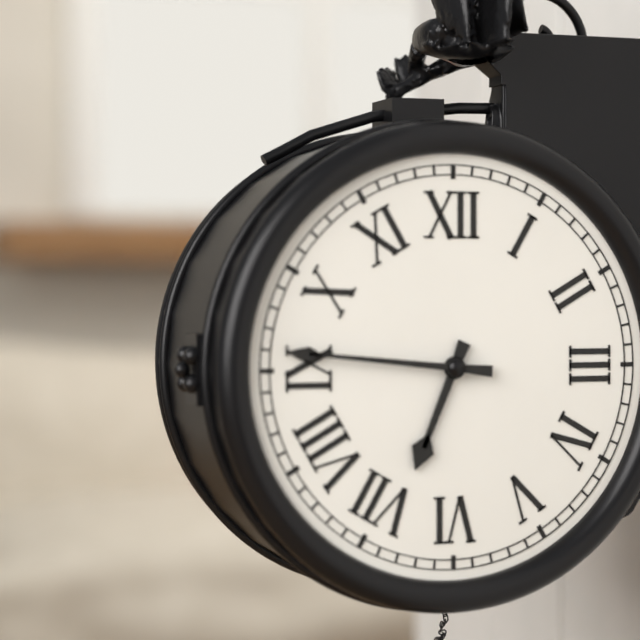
6:46
